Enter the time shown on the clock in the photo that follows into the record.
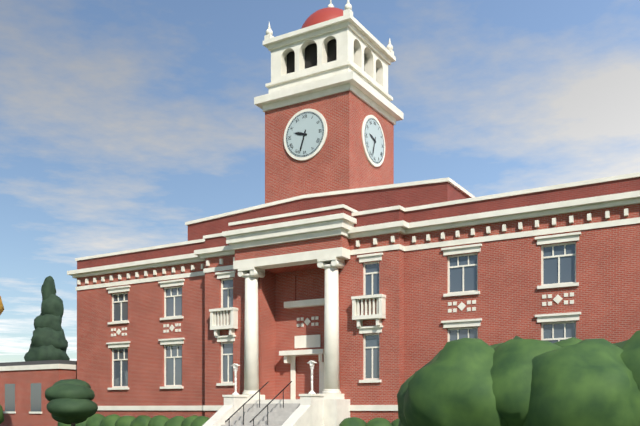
9:33
